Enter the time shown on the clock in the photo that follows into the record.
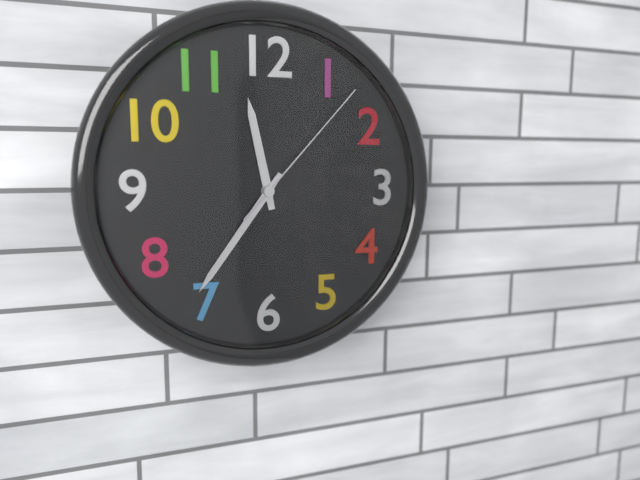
11:36:07
